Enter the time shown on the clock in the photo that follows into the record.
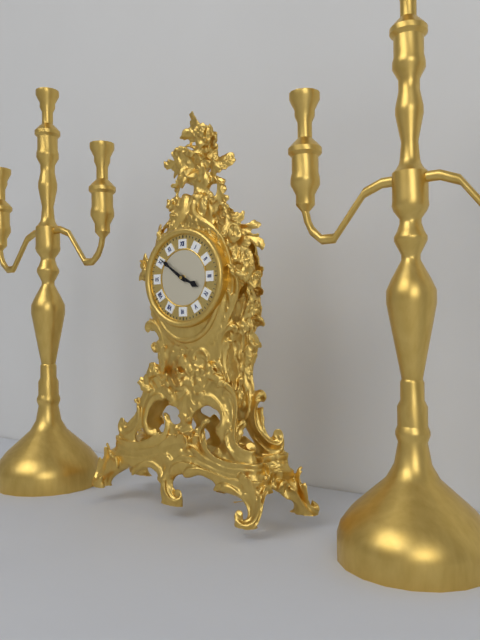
3:51
